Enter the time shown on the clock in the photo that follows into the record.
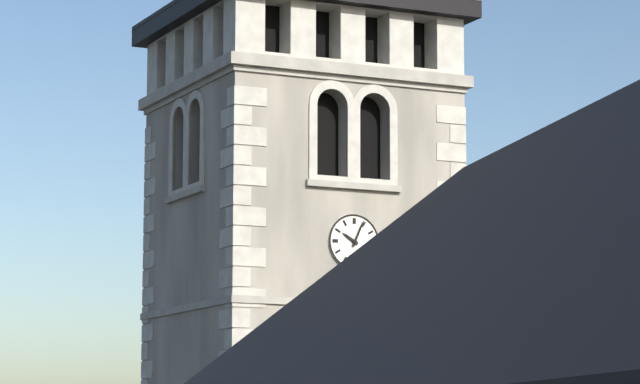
10:04
